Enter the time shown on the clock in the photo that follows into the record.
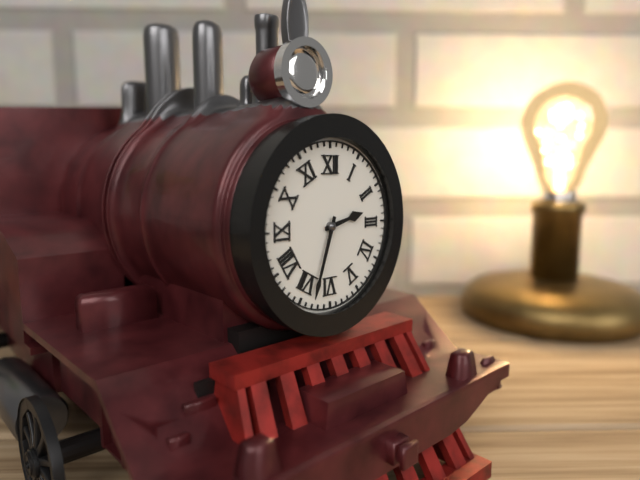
2:33
